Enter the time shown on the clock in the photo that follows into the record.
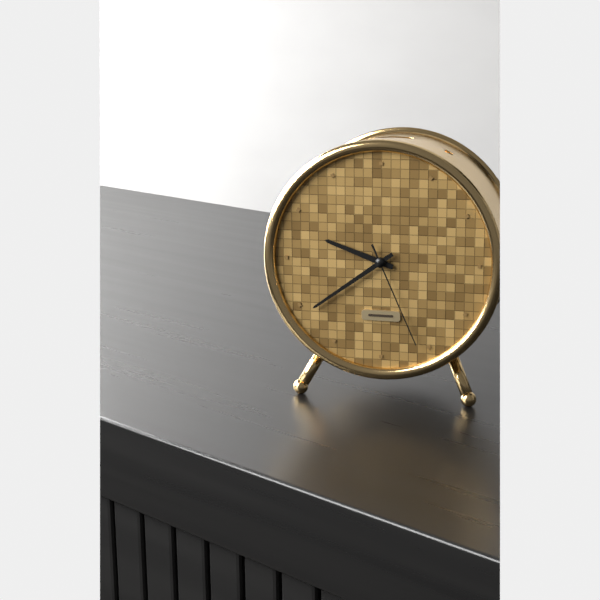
9:39:26
